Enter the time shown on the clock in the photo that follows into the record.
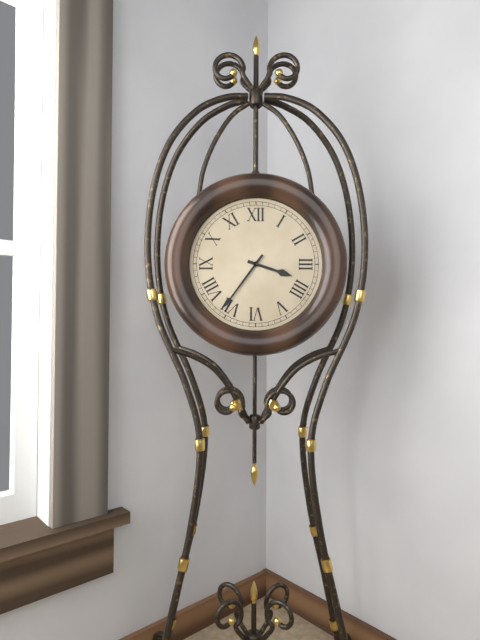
3:36
